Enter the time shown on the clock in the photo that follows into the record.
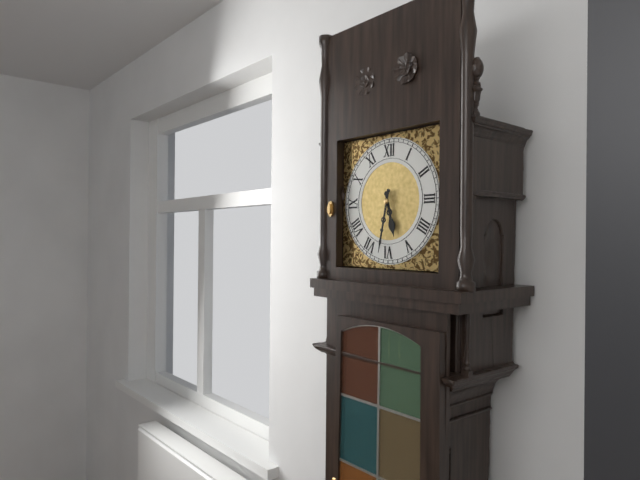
5:32
